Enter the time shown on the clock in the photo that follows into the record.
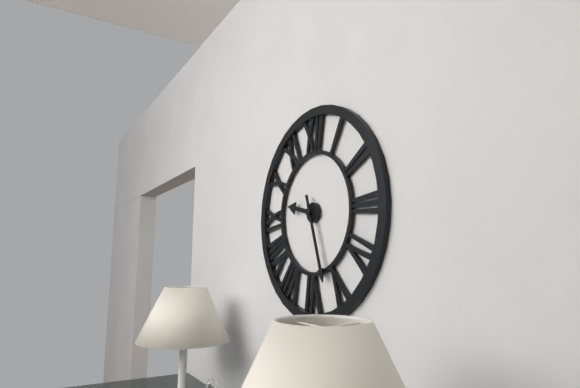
9:27
